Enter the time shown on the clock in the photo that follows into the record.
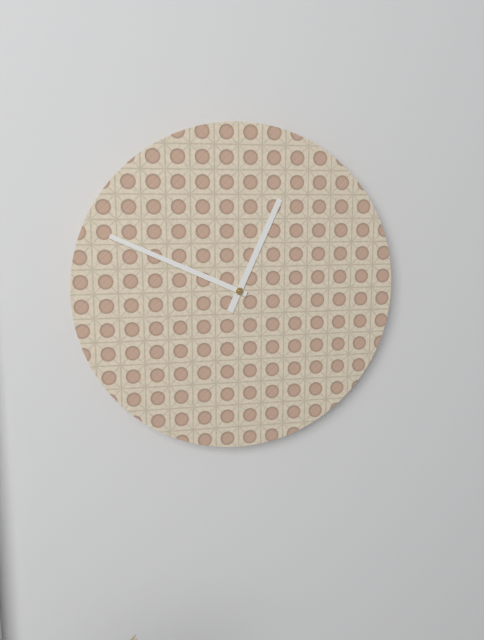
12:49
